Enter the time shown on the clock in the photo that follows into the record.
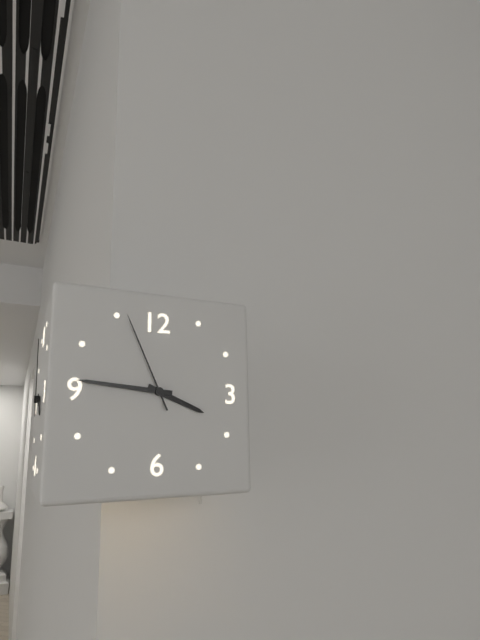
3:46:56
